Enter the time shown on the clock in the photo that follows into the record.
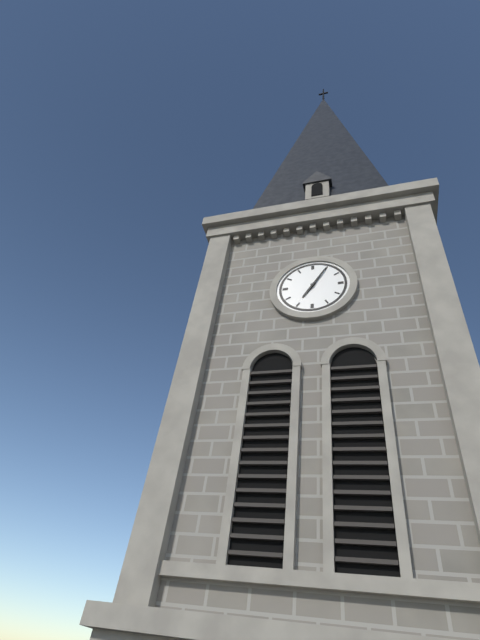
7:05
